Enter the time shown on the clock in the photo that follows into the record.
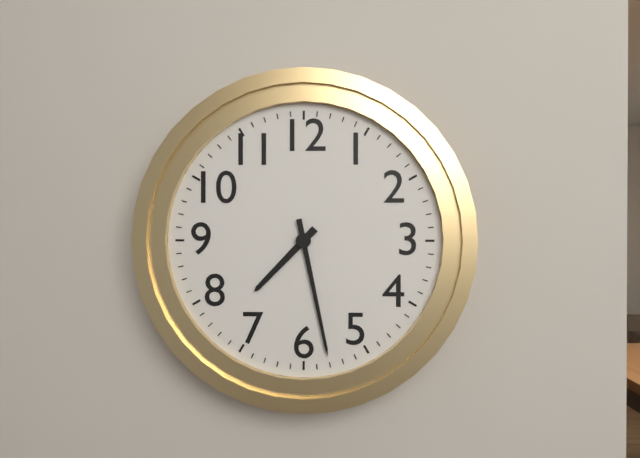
7:28
